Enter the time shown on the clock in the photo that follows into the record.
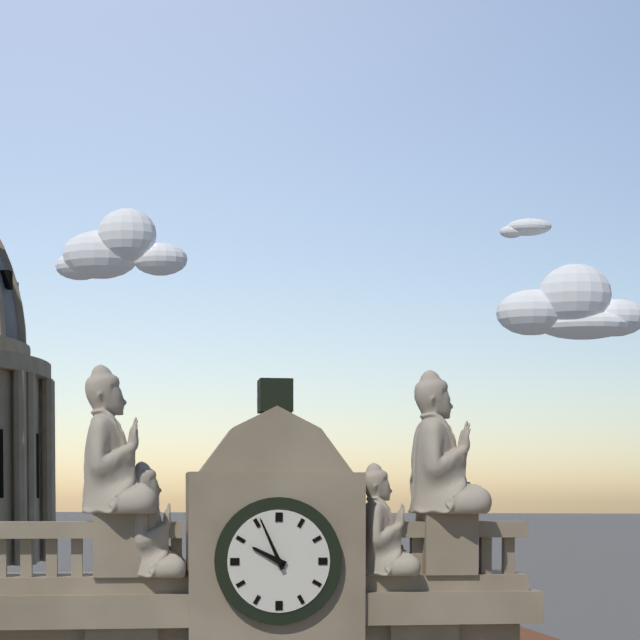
9:56
